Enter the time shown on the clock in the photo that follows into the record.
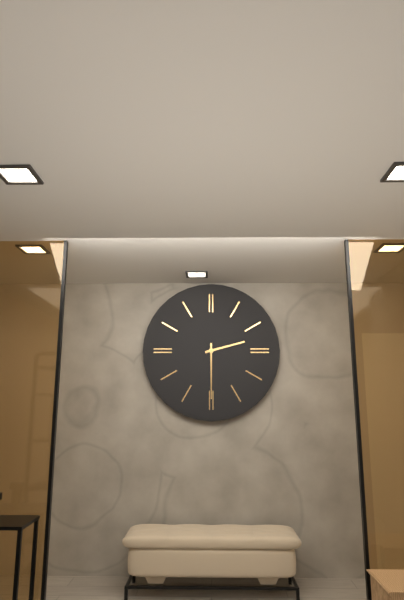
2:30
